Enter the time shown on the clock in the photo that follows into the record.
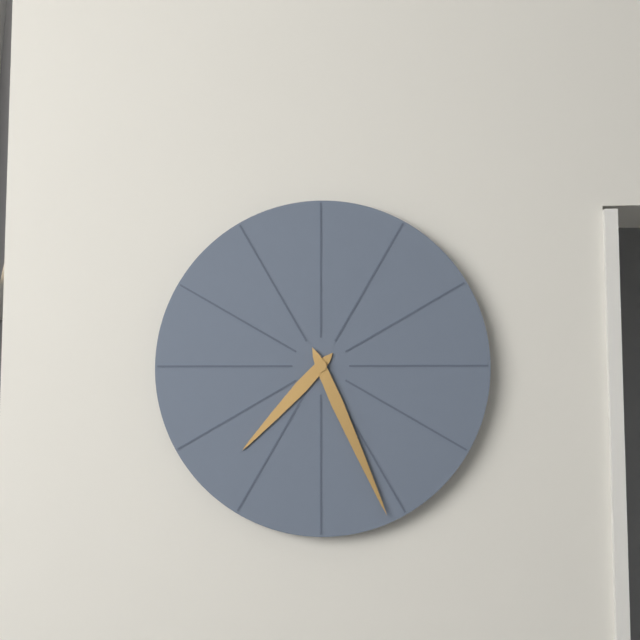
7:26
